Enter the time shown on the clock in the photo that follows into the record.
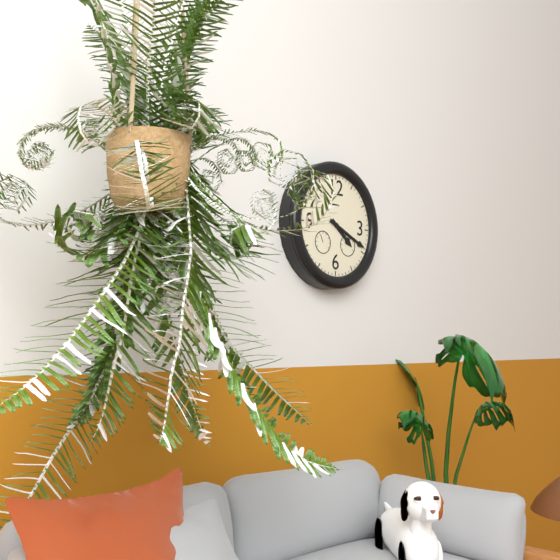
4:19
